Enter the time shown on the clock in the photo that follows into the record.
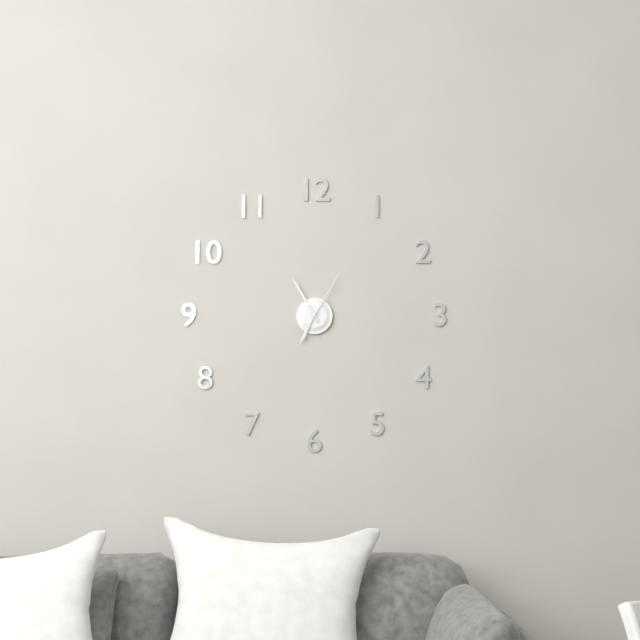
6:55:05
